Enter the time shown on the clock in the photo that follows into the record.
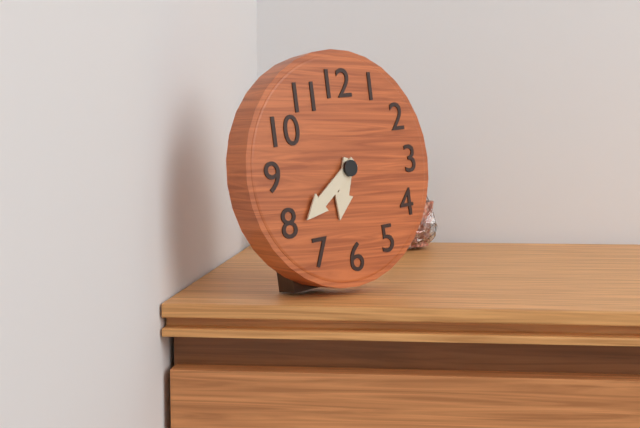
6:39
